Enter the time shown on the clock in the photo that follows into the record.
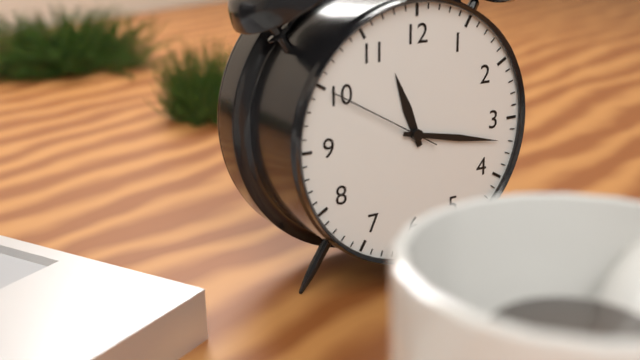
11:17:50
